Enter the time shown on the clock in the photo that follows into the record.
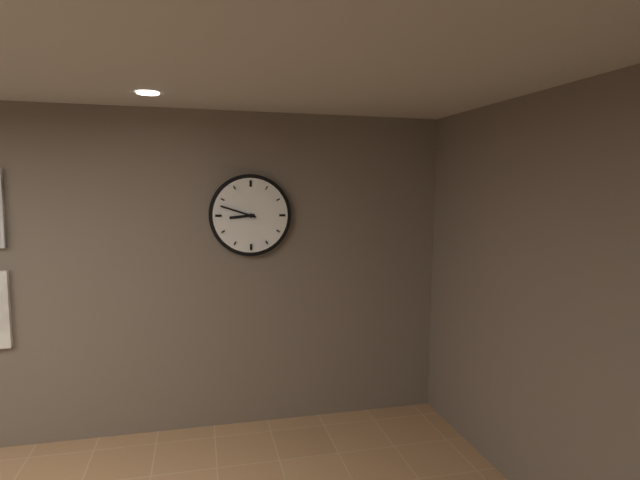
8:48
